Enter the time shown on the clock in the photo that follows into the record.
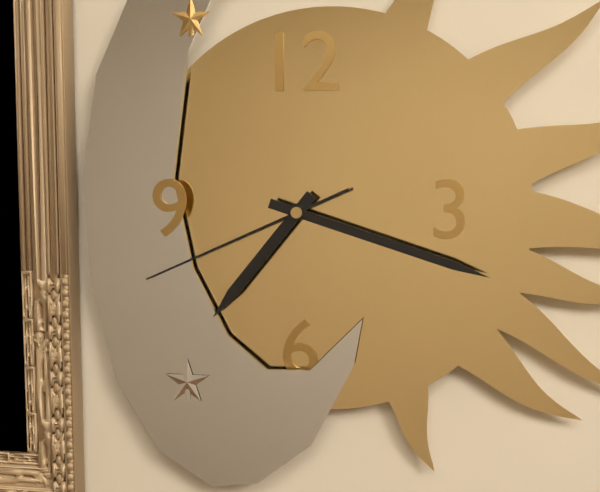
7:18:41
